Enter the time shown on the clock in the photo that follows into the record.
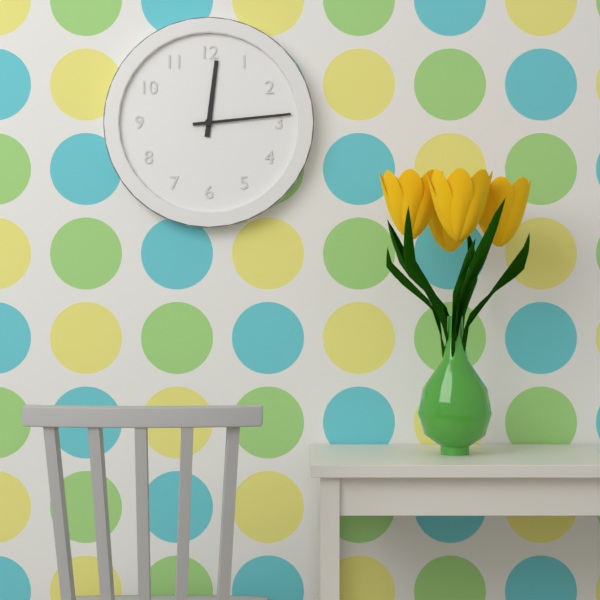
12:14
